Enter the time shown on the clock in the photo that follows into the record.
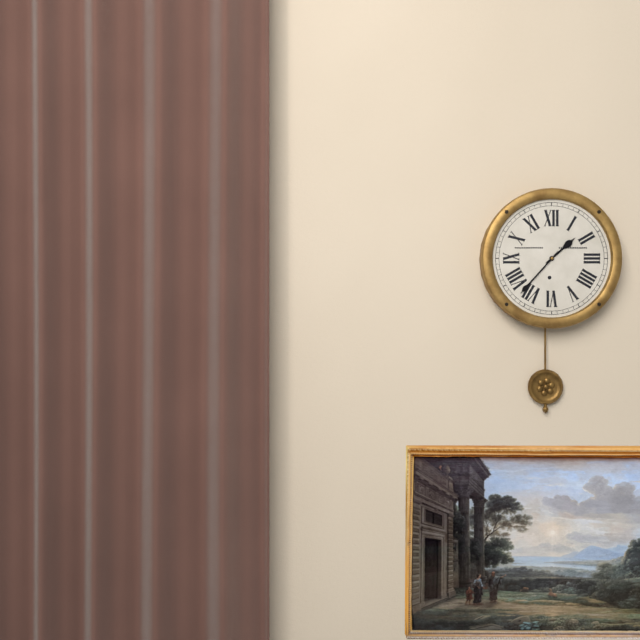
1:37
